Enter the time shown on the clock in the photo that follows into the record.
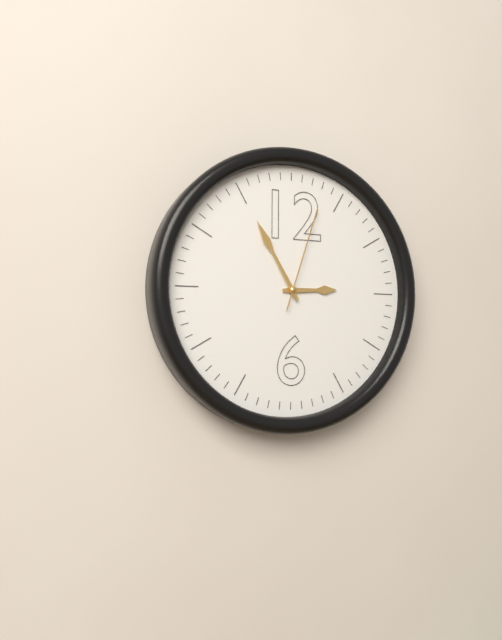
2:55:03
